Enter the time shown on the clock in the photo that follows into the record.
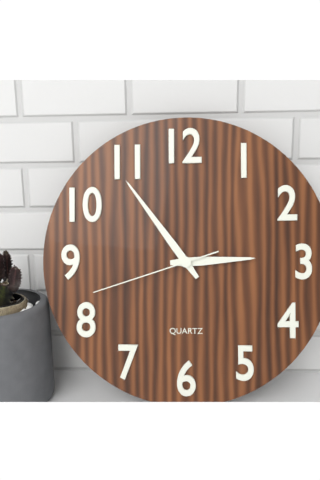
2:54:42
